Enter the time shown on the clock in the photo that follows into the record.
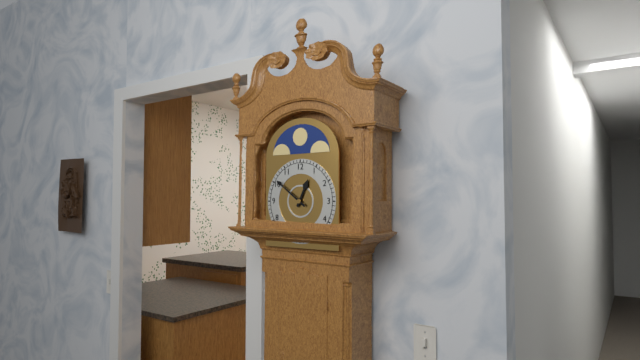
12:51
